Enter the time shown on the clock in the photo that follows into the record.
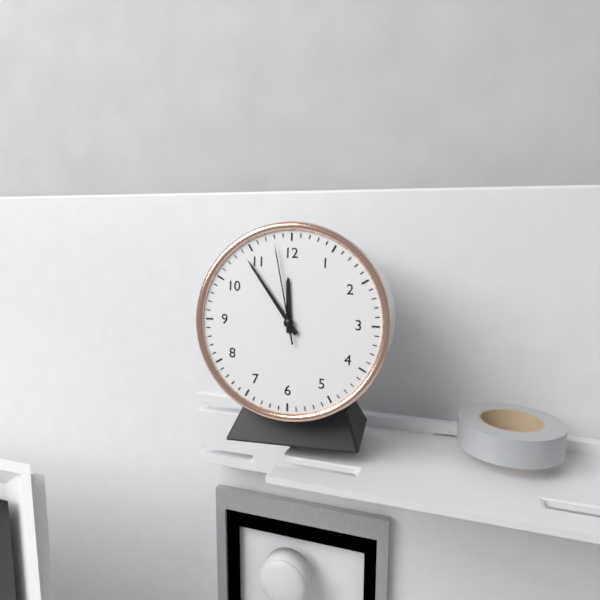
11:54:58
